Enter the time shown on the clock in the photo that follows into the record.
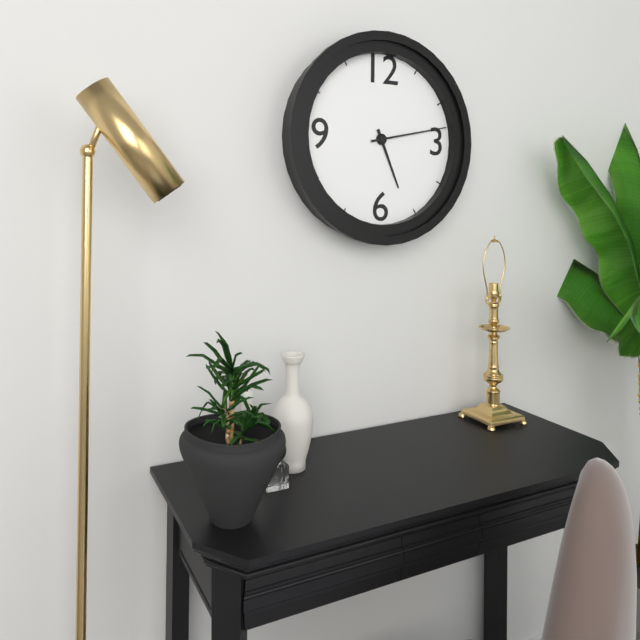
5:13
